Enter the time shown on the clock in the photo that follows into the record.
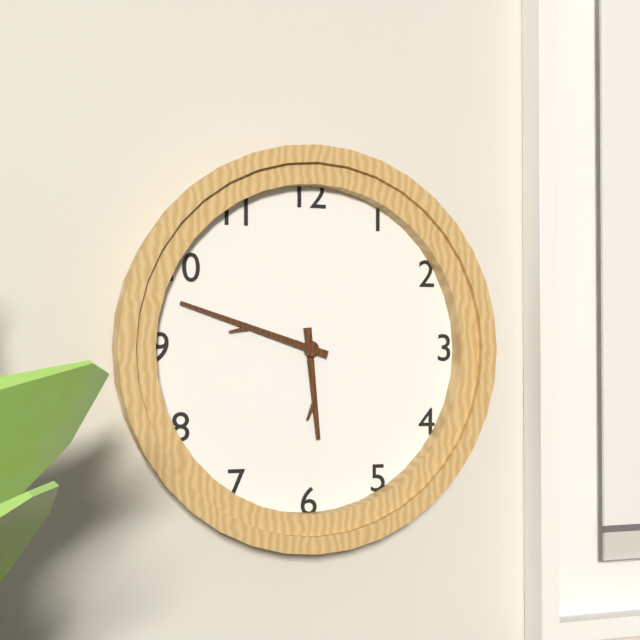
5:48
